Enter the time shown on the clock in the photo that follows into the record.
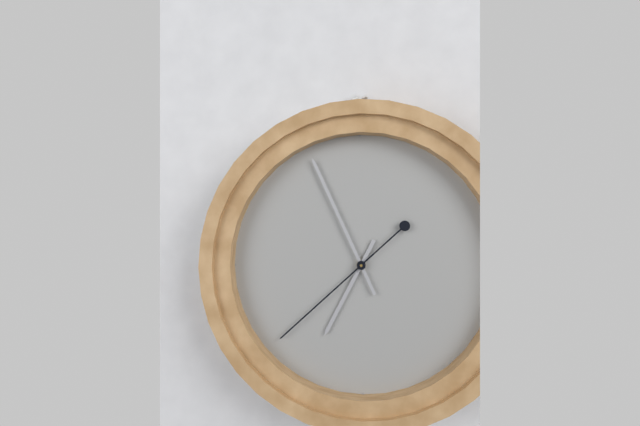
6:56:38
